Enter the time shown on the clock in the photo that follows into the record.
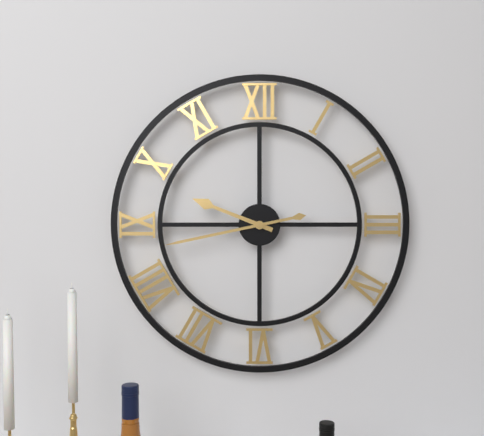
9:43
